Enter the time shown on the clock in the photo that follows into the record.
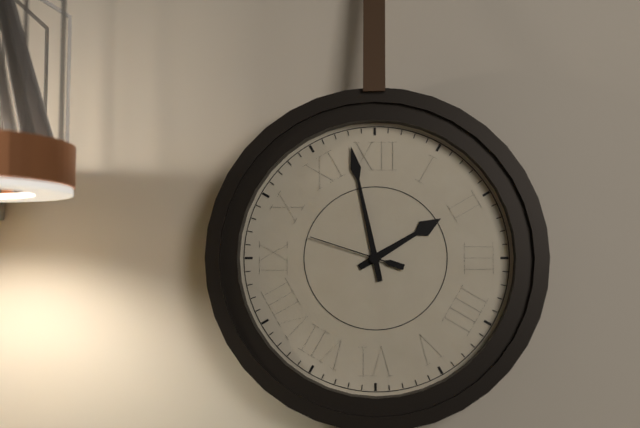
1:58:48
